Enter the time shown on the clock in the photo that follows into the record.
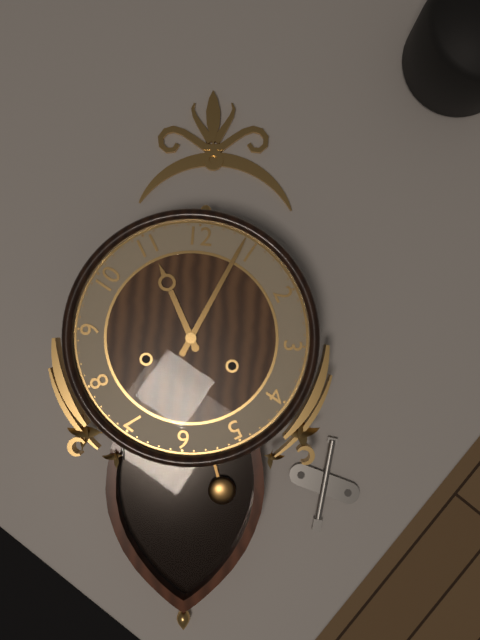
11:04
